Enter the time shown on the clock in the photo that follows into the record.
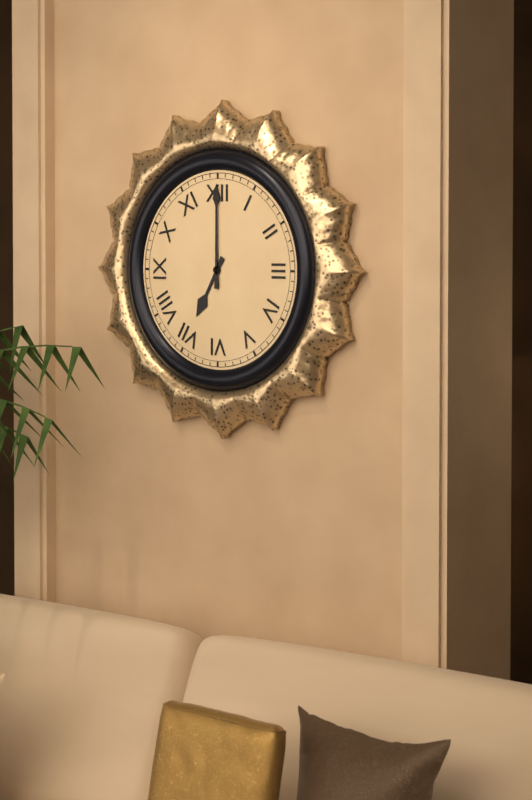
7:00
